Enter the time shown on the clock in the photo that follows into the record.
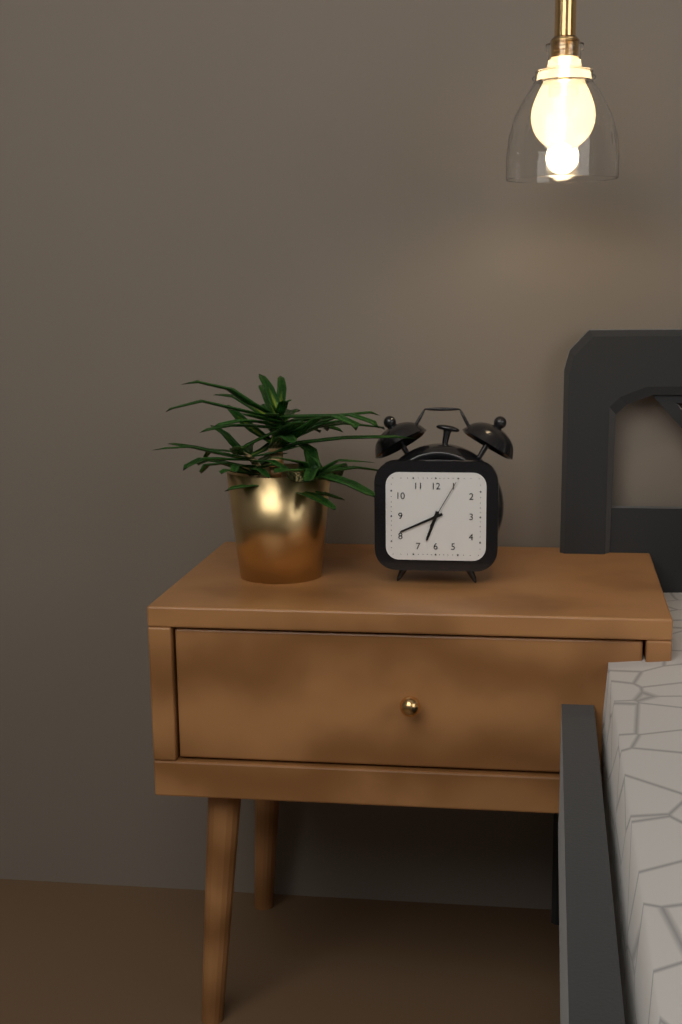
6:41
